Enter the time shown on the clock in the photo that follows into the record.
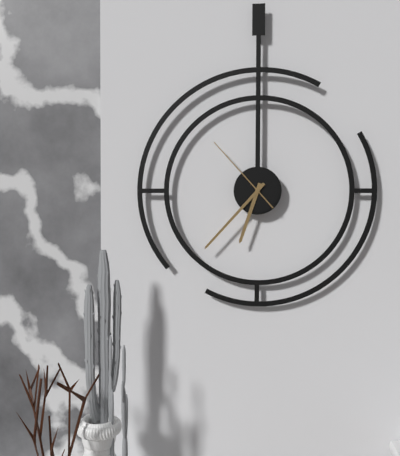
6:37:53
